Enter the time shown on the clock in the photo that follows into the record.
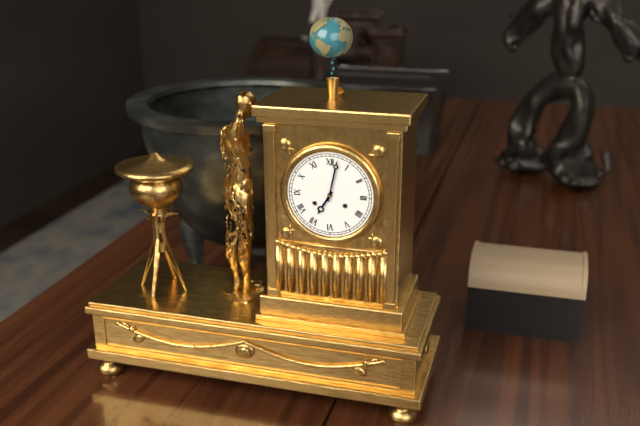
7:02
